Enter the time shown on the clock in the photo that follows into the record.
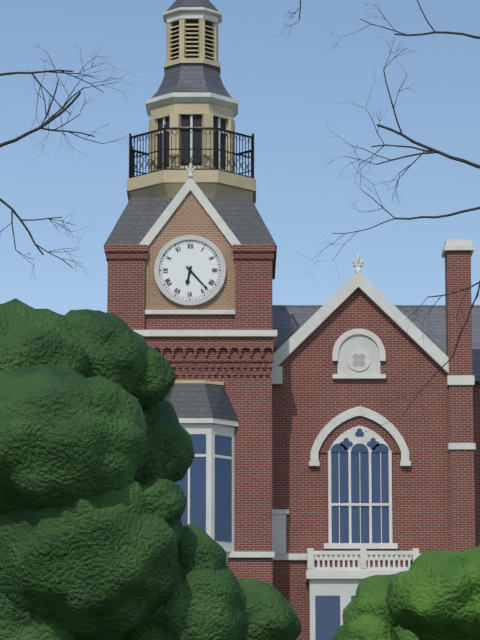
6:23
